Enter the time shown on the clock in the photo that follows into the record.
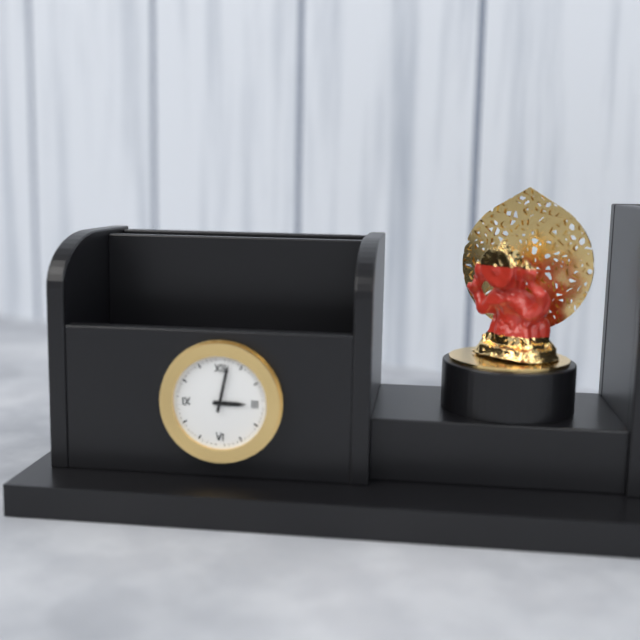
3:02
